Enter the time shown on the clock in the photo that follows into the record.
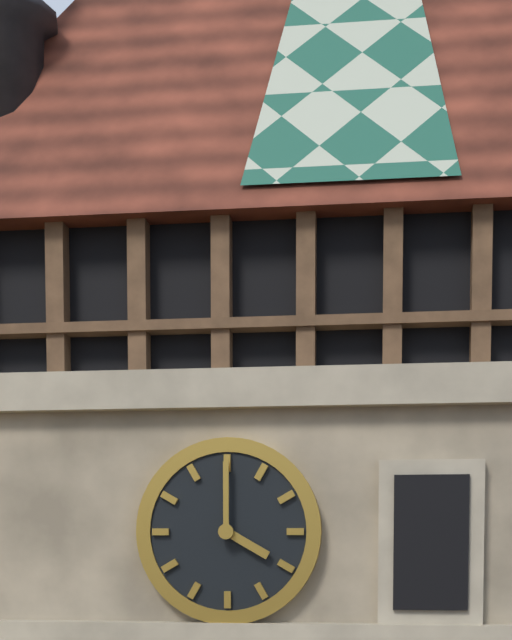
4:00
